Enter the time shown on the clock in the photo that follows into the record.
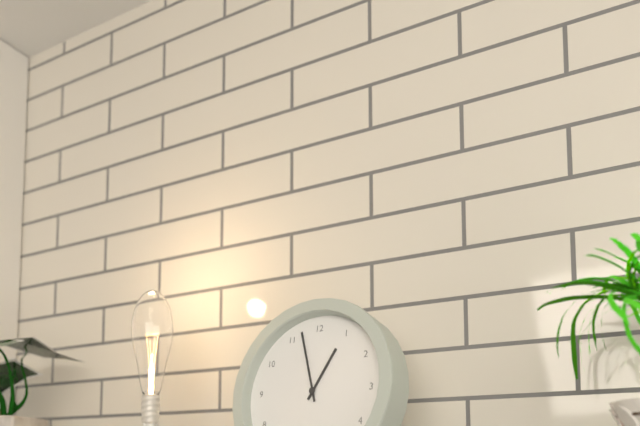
12:57
